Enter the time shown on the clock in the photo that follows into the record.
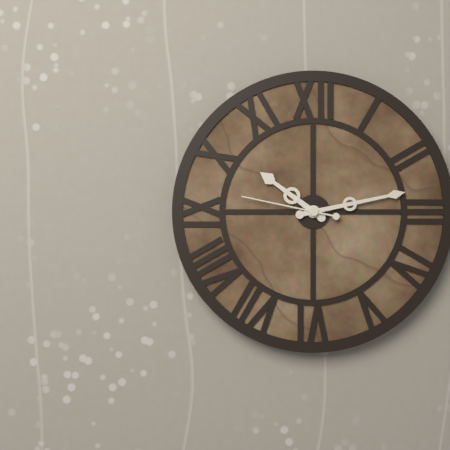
10:13:47
